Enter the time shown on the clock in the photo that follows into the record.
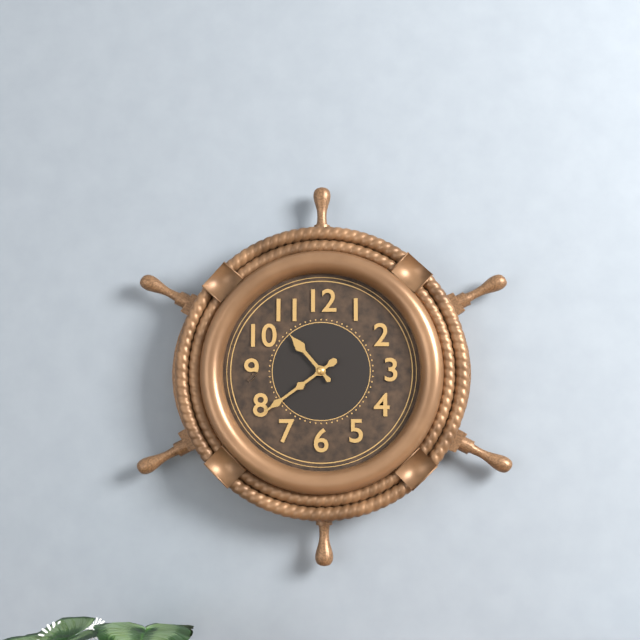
10:39
